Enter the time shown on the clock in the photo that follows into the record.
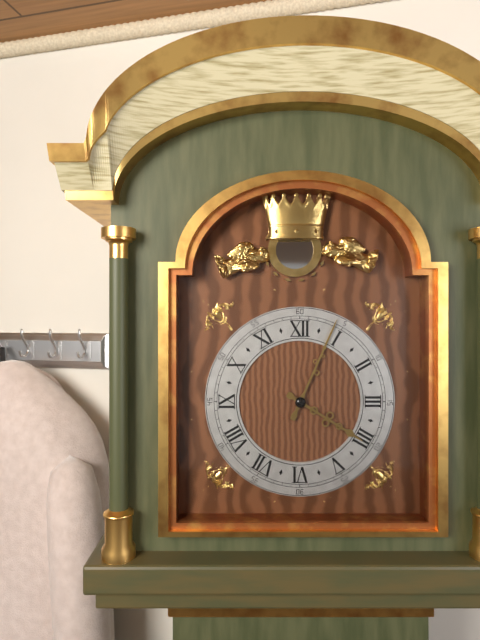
4:04
